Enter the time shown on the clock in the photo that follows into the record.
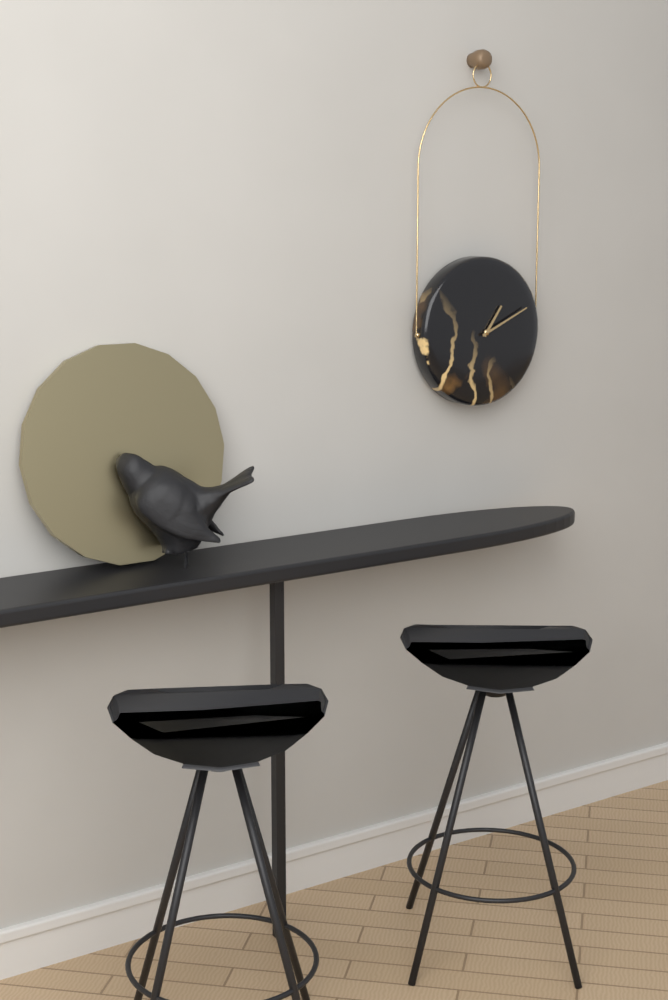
1:11
